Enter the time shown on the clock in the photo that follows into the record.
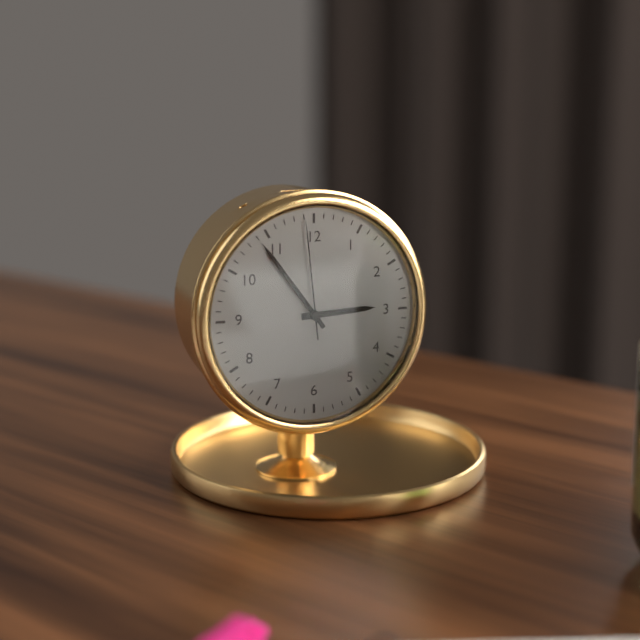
2:54:59
